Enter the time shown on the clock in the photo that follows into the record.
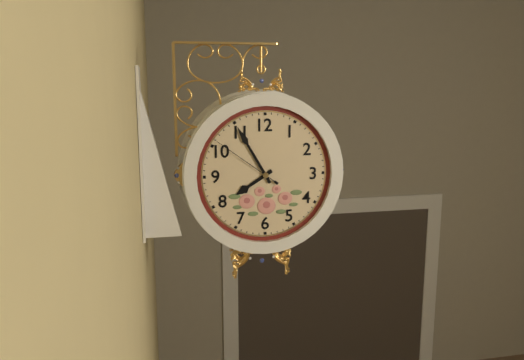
7:55:51
